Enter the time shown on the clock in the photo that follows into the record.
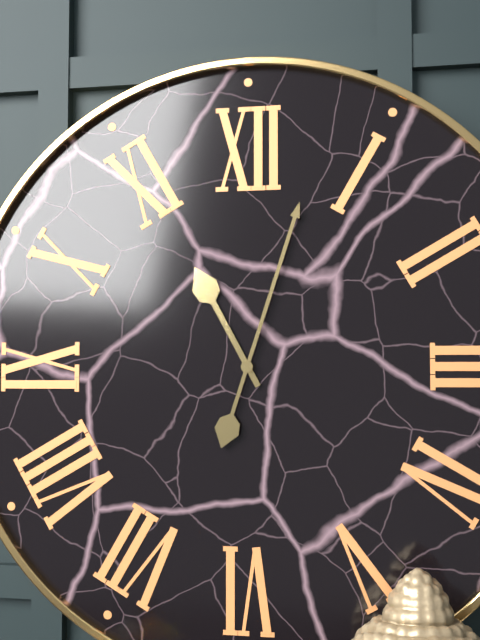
11:03
